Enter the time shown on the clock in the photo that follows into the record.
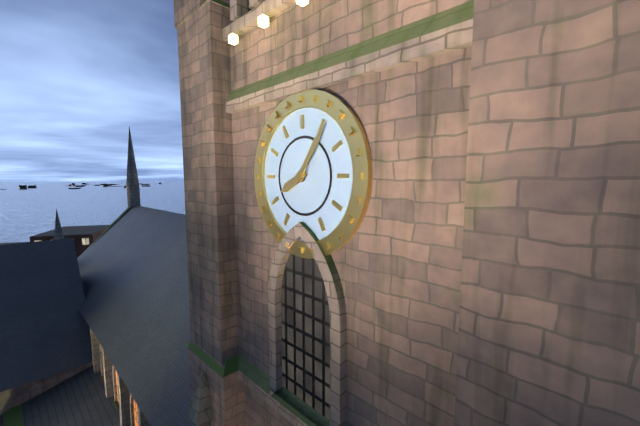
8:06
